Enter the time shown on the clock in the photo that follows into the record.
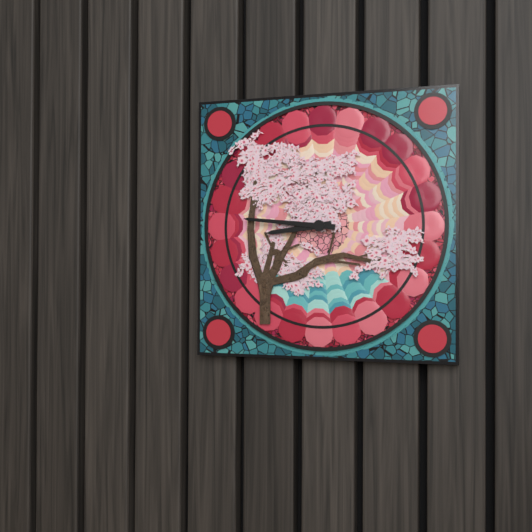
8:46
